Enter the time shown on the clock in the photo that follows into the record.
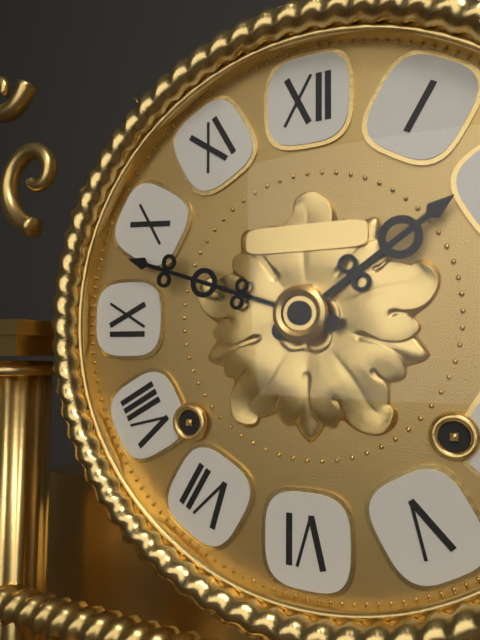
1:48
